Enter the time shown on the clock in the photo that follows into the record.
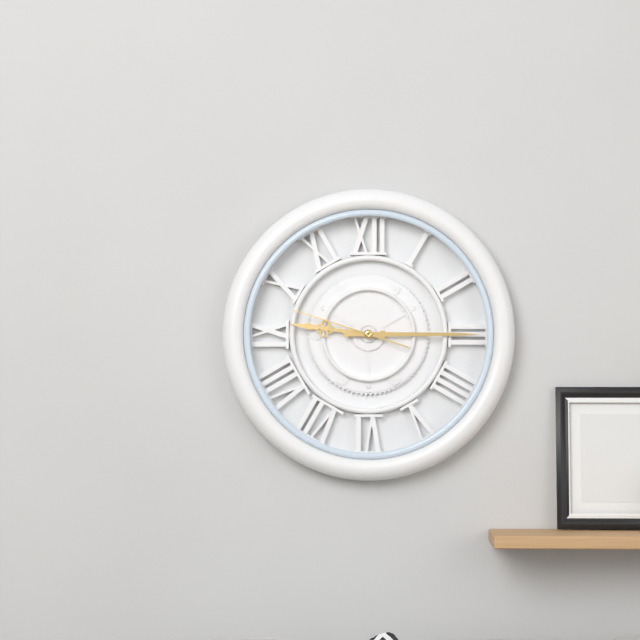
9:15:48
